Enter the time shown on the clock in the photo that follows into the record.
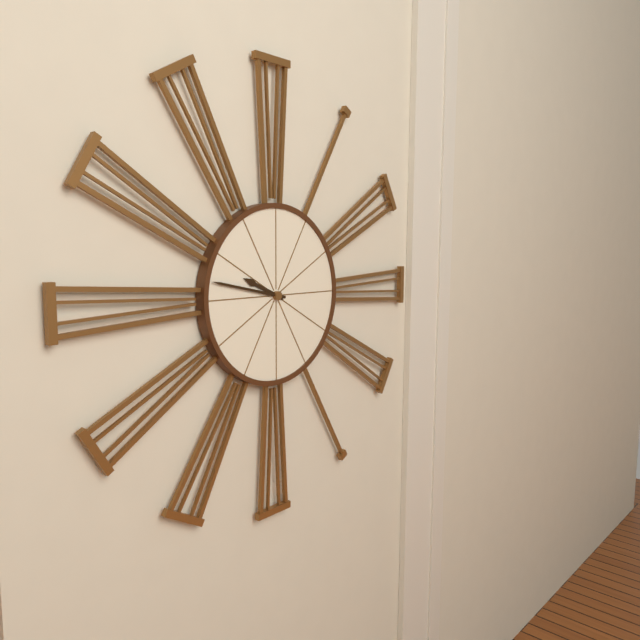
9:47
